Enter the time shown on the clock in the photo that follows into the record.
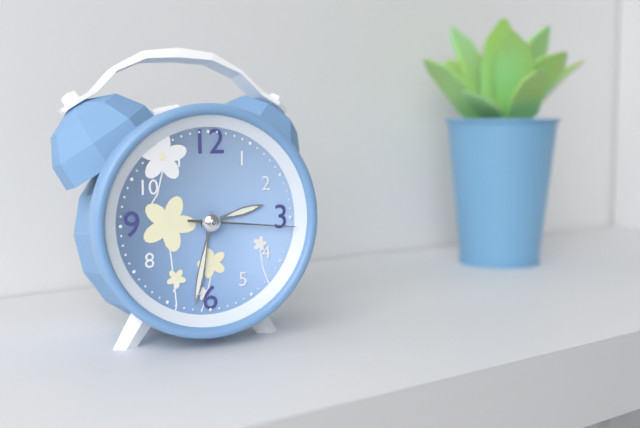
2:32:16
